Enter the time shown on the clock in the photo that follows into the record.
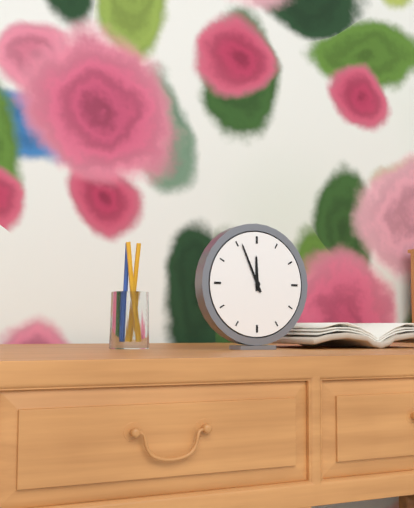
11:56
